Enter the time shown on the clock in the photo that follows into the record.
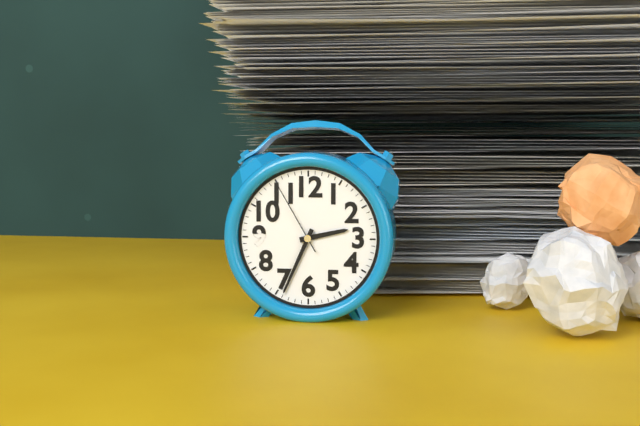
2:34:55
